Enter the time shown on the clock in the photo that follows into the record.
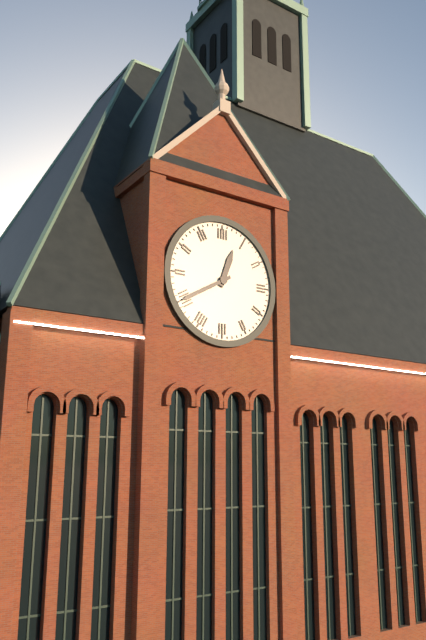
12:40
